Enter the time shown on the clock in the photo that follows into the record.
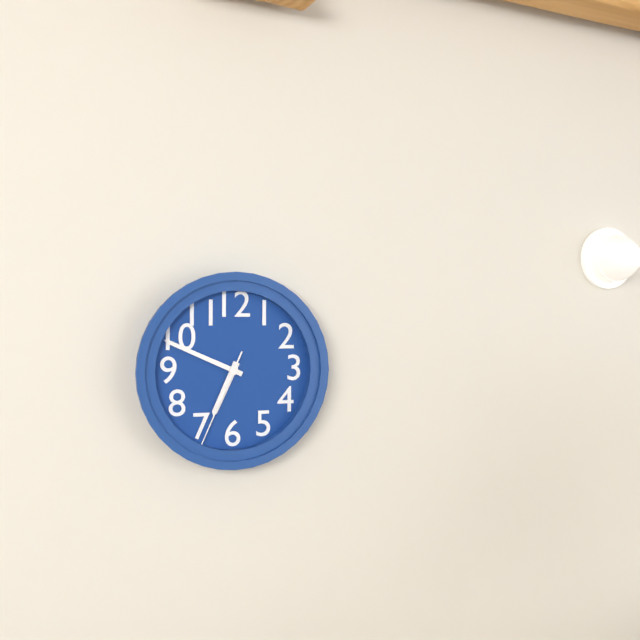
6:49:34
